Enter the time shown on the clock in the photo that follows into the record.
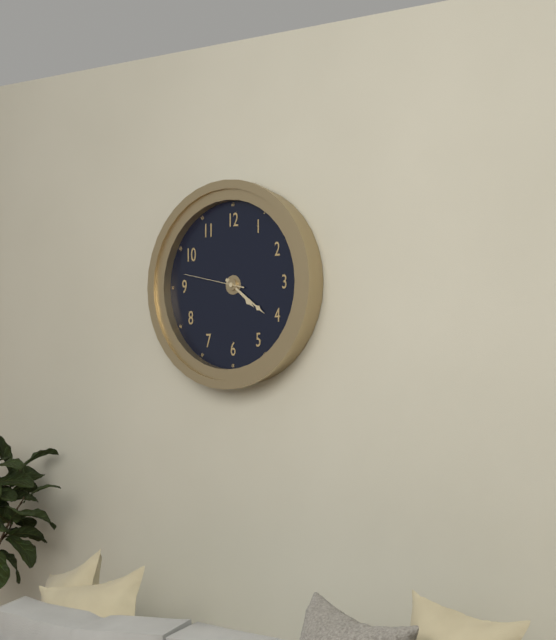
4:21:47
